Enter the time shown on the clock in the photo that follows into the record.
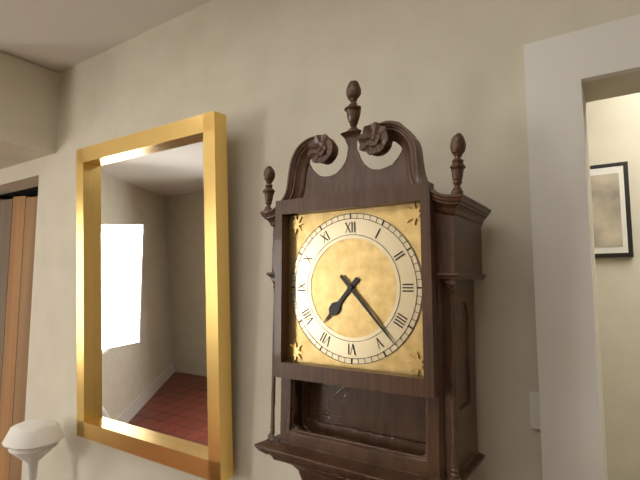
7:23
